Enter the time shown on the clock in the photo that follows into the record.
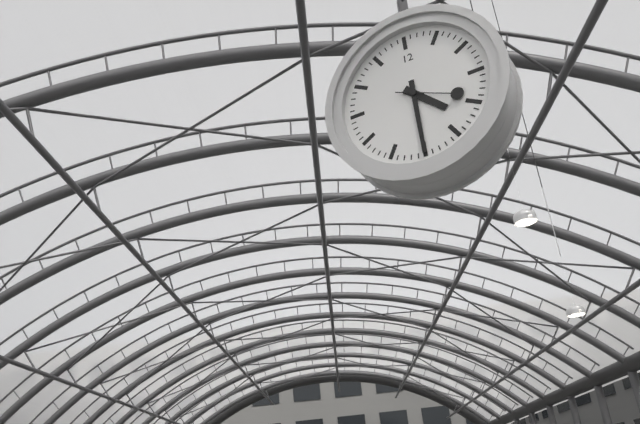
4:30:19
